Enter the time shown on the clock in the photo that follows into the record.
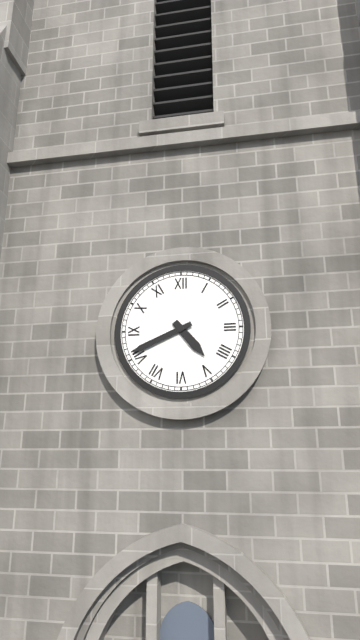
4:41
